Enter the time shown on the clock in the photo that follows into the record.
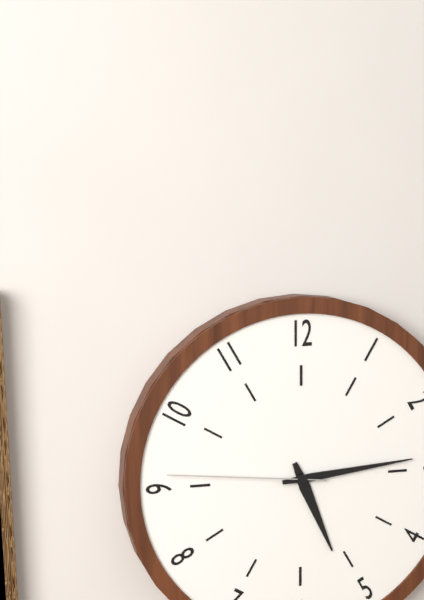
5:14:46
